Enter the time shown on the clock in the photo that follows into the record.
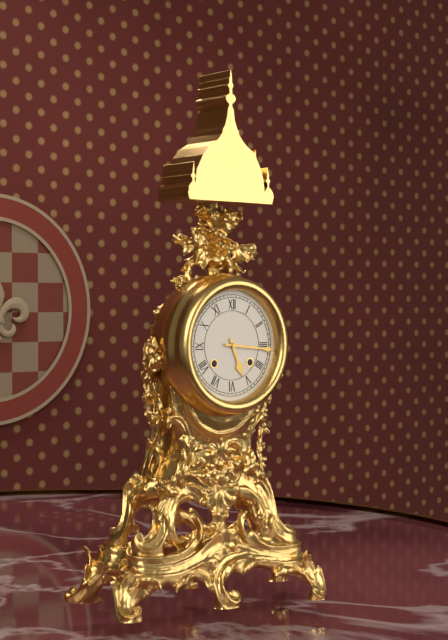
5:16
